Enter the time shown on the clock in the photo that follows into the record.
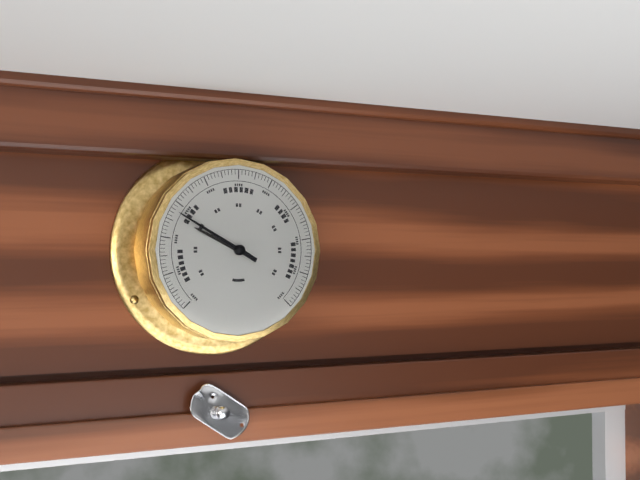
9:50
